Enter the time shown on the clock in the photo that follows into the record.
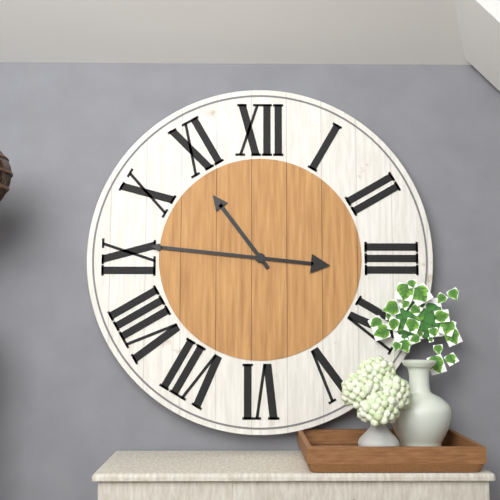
10:46
